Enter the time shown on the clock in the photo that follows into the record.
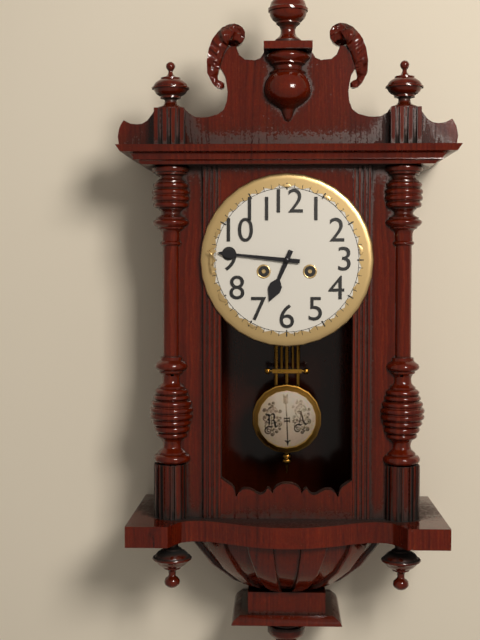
6:46
